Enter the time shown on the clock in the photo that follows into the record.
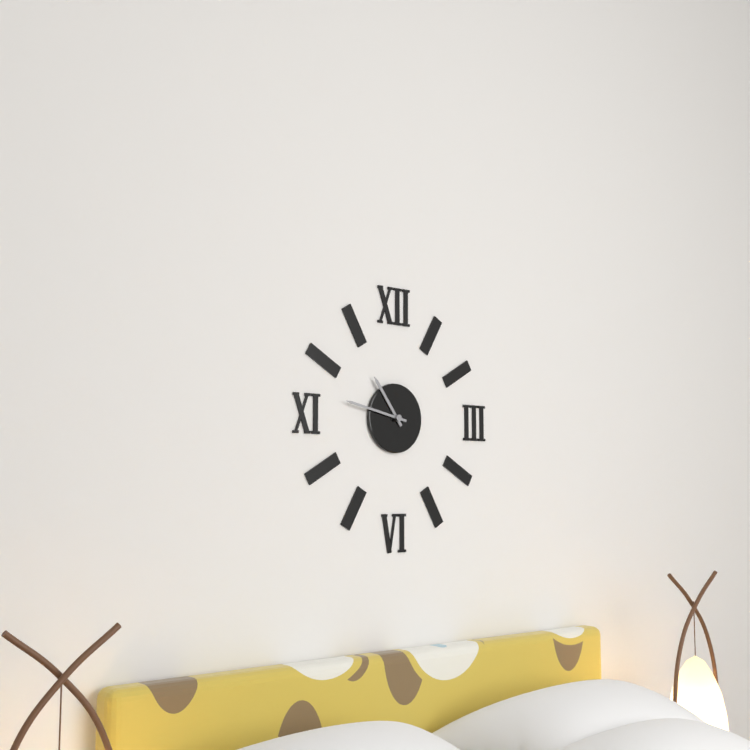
10:47
